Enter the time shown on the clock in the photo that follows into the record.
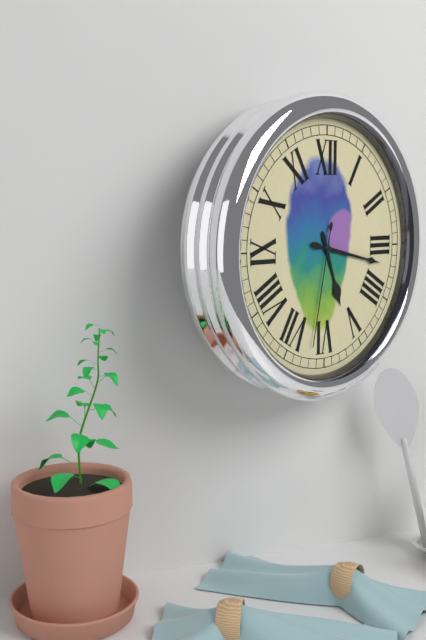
5:17:32
